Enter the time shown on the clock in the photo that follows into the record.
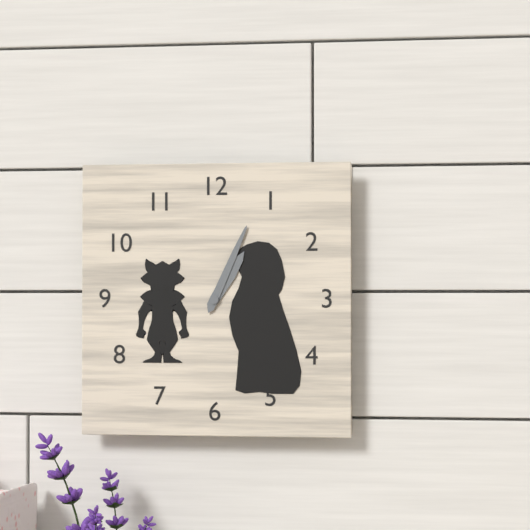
1:04
